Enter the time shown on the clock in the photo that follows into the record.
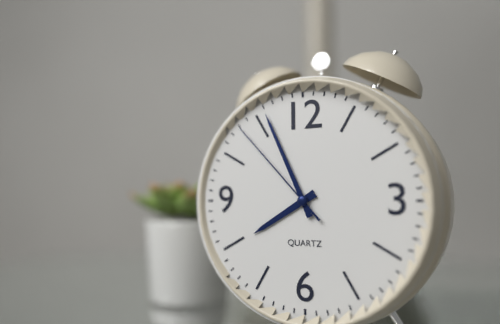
7:56:53
